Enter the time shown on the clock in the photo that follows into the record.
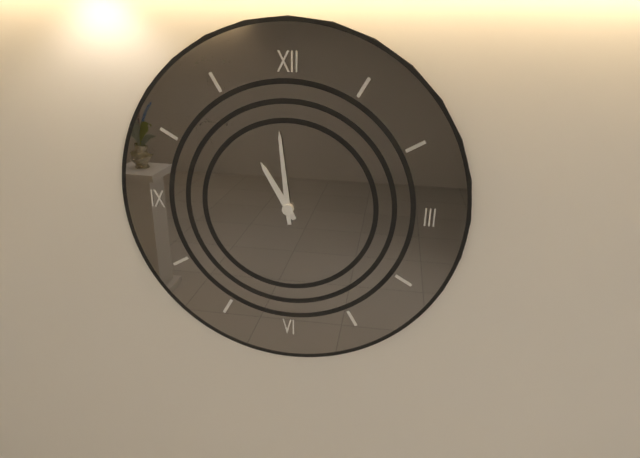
10:59
